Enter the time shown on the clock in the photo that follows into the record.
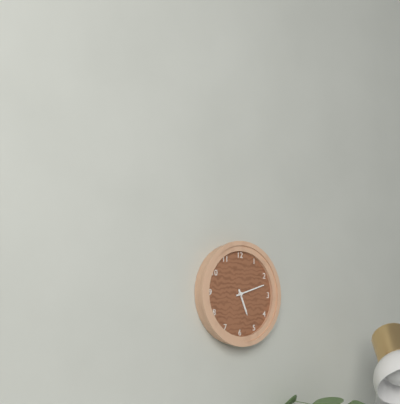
5:12
